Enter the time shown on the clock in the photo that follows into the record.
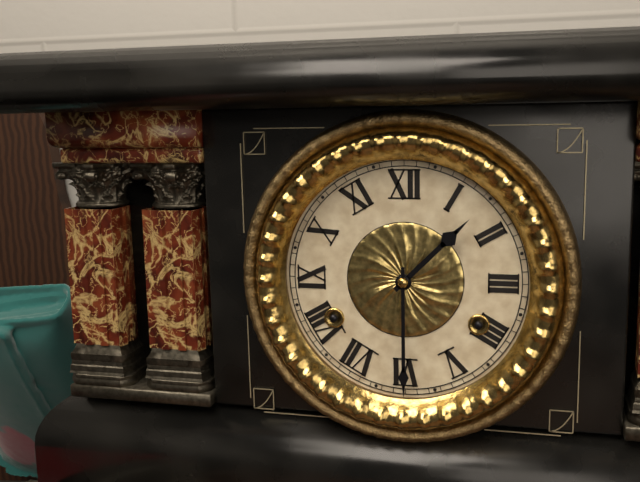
1:30
